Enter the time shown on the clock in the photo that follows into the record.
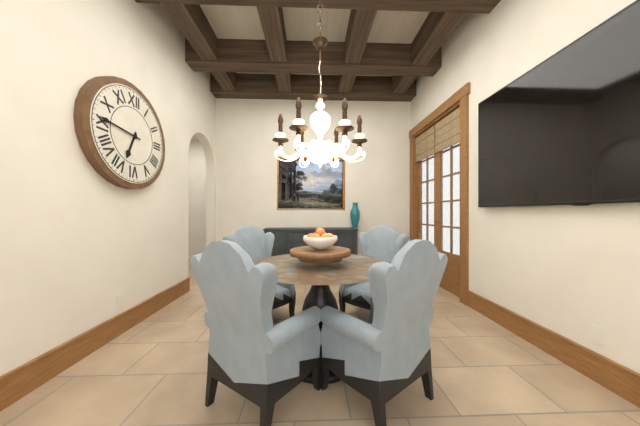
6:46
